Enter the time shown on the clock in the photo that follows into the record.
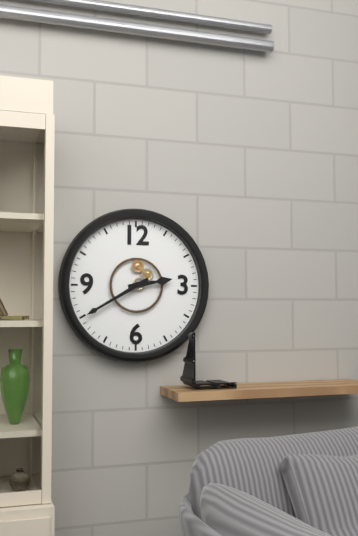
2:40
